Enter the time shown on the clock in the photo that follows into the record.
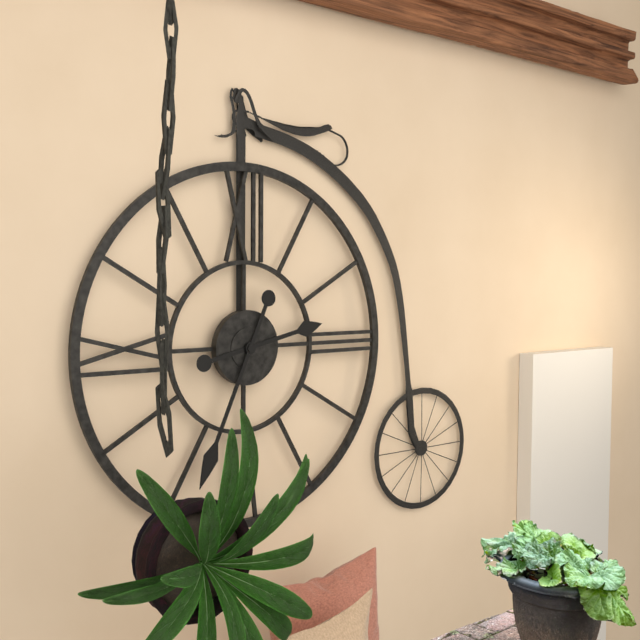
2:34
